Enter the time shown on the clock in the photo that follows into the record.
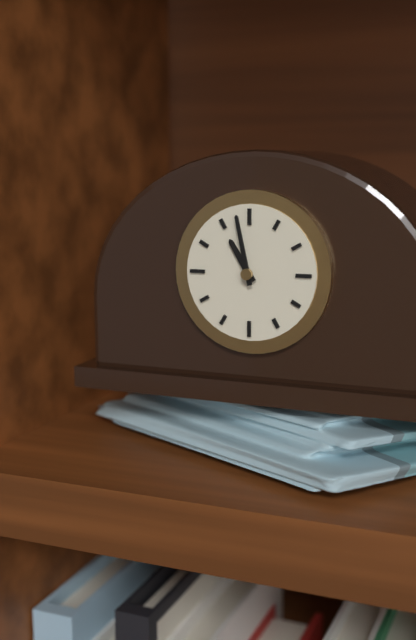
10:58
